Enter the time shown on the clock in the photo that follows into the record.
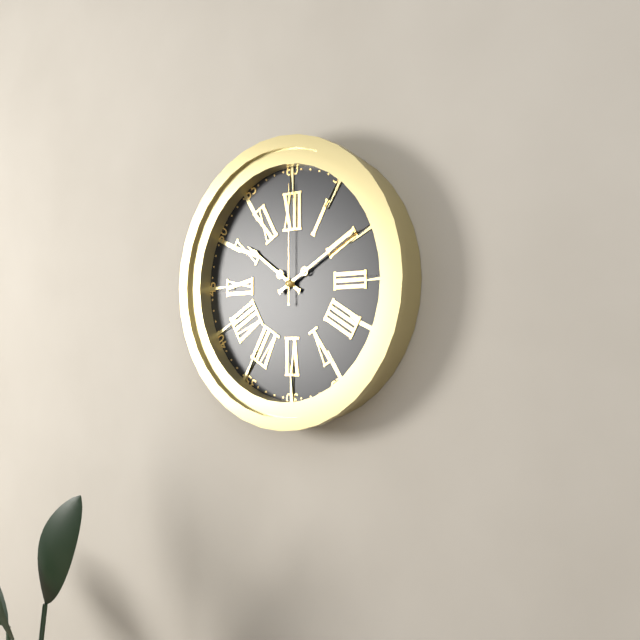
10:10:00
